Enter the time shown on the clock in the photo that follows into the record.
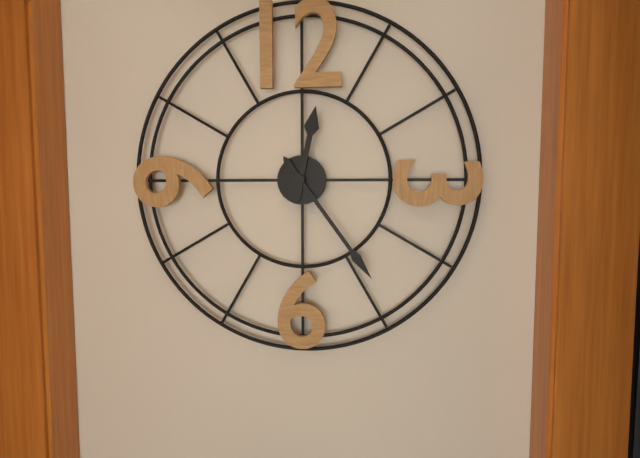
12:24
